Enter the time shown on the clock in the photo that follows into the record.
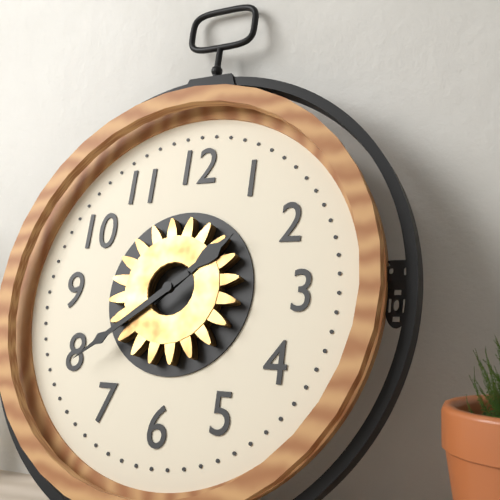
1:39
